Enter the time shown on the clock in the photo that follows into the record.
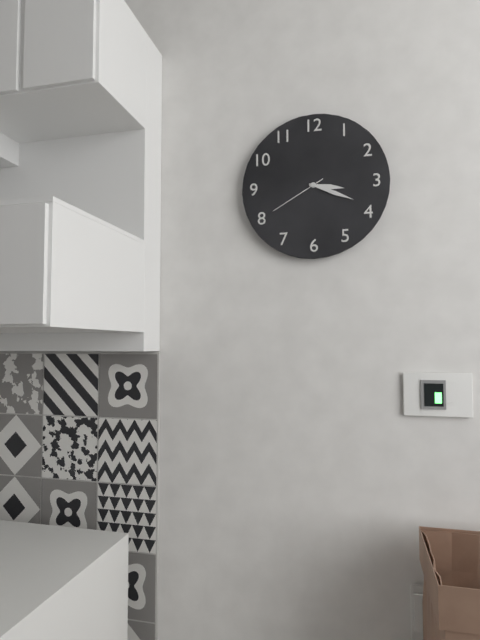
3:19:40
